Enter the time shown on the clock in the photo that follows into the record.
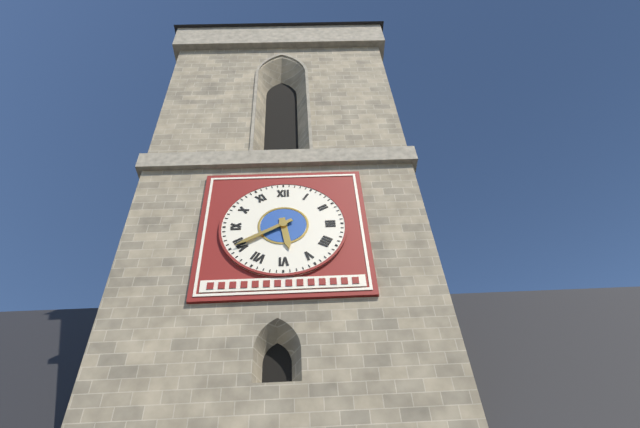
5:40
